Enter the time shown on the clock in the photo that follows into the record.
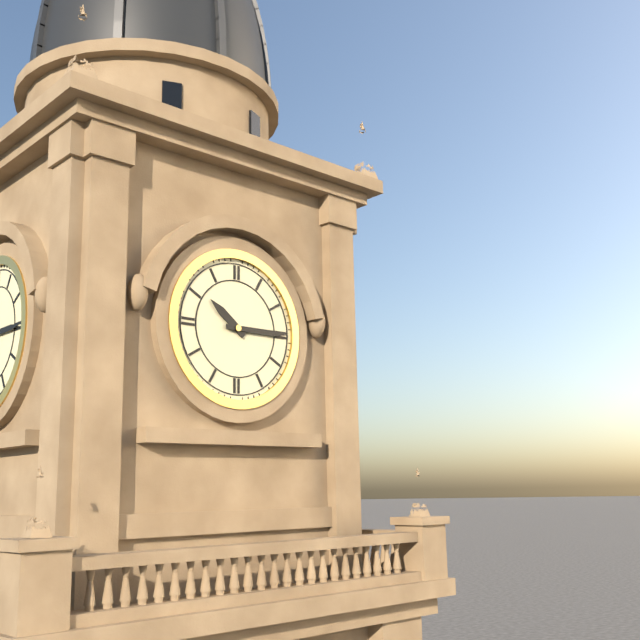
10:15
